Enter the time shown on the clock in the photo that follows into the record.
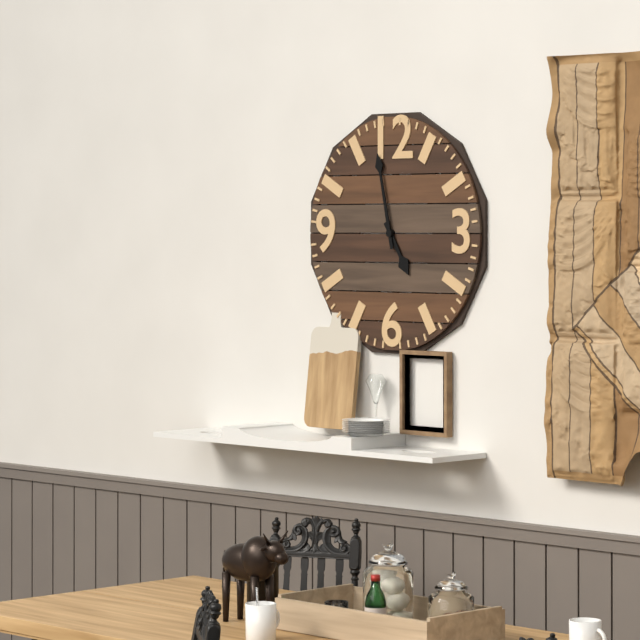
4:58
